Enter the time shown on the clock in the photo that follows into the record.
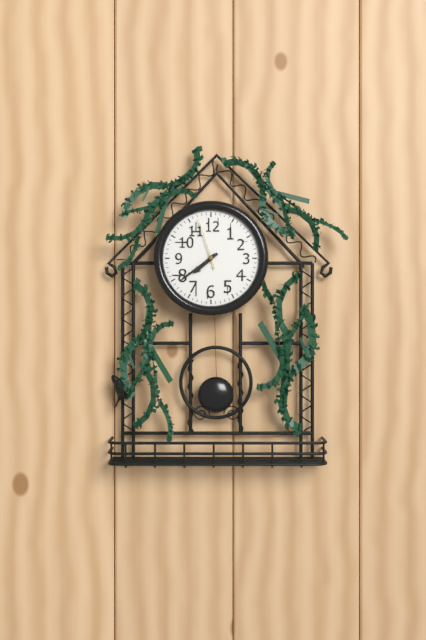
7:39:57
